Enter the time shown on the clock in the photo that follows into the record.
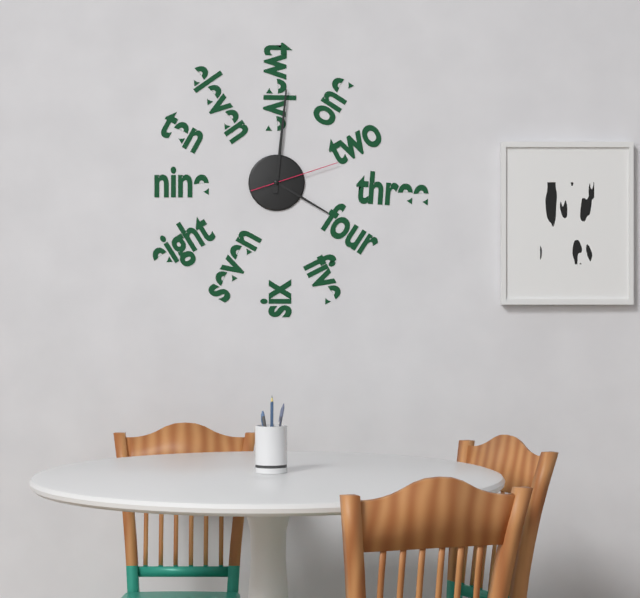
4:01:12
